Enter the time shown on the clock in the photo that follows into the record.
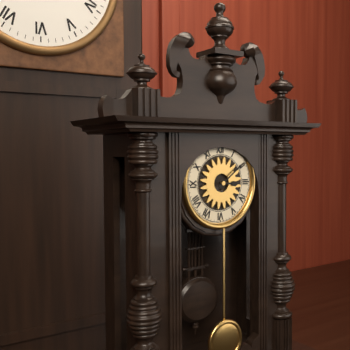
3:09
